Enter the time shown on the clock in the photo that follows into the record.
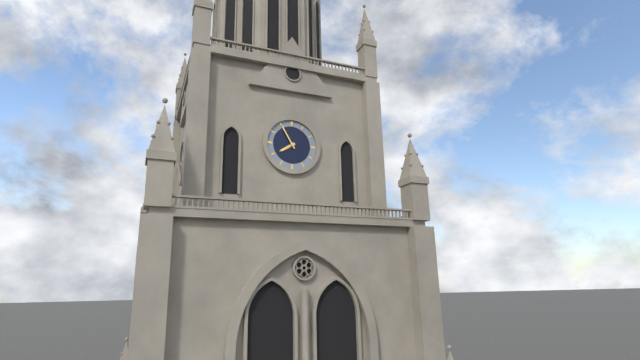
7:55
